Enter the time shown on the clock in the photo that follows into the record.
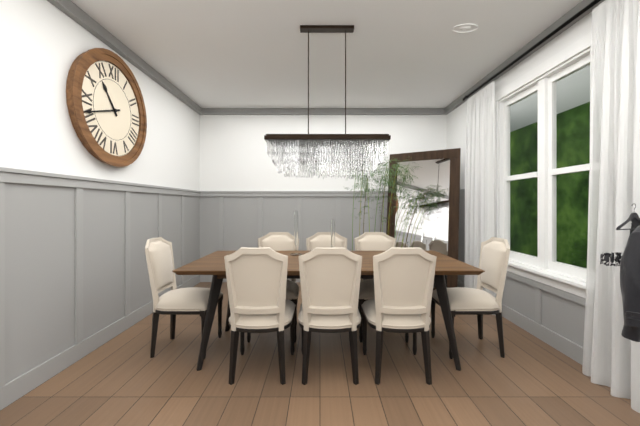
10:42
